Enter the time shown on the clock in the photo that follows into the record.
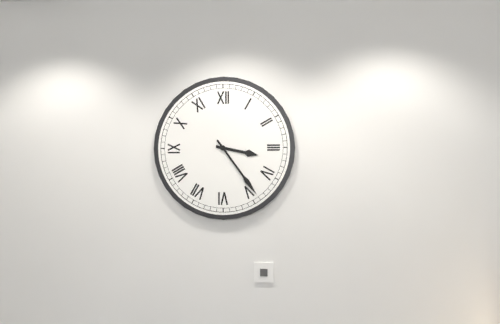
3:24
